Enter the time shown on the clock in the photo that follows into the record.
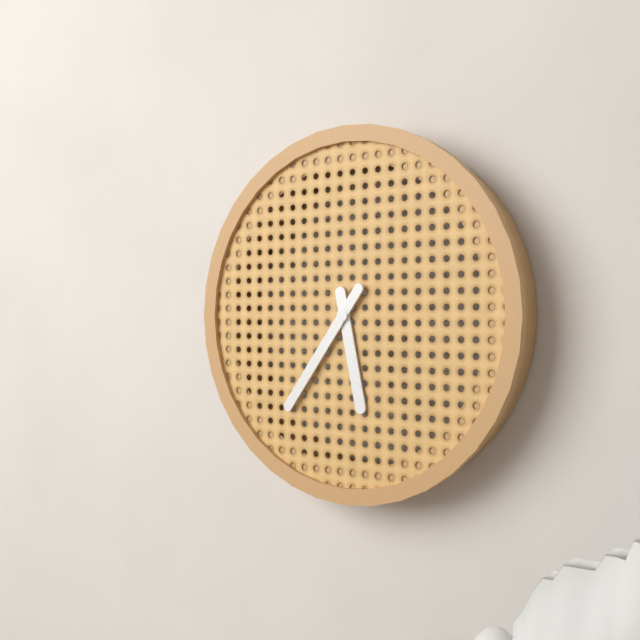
5:36
